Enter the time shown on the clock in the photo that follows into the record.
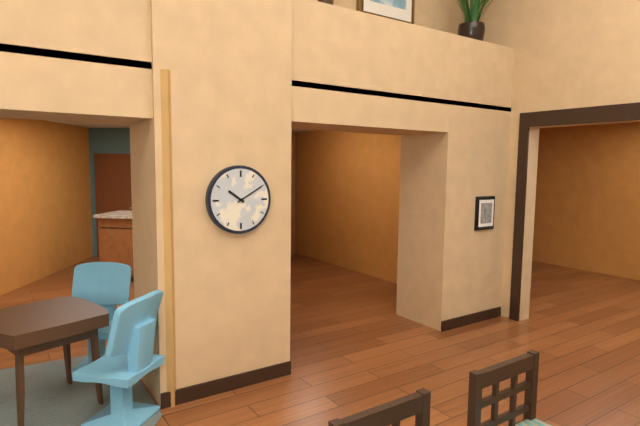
10:10
